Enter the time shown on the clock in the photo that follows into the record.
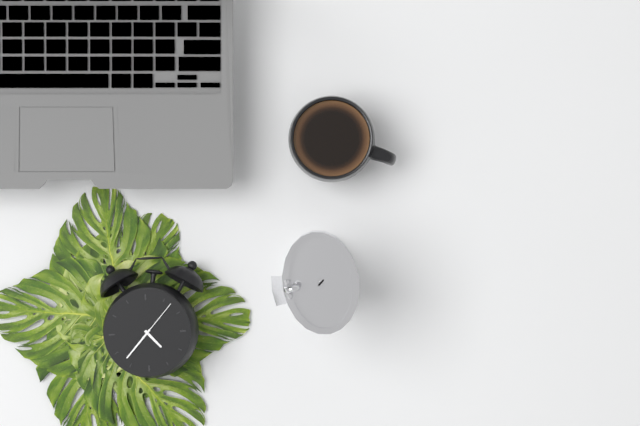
4:37
